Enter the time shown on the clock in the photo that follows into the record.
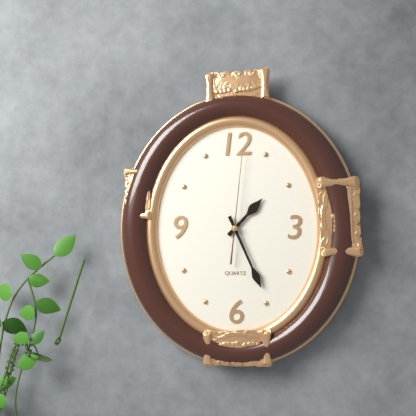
1:26:01
